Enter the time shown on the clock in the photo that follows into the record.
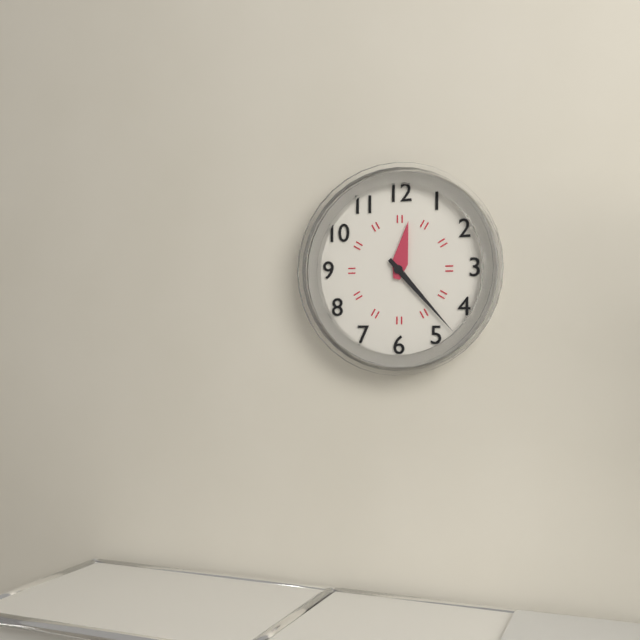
12:23
